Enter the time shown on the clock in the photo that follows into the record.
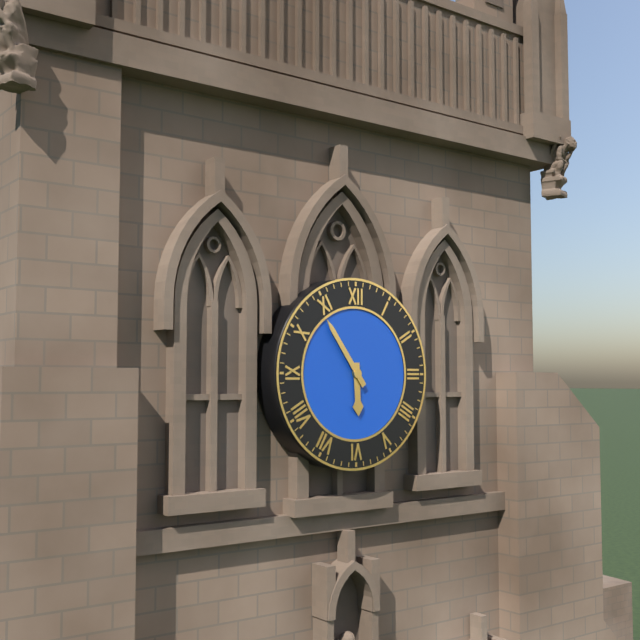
5:54
